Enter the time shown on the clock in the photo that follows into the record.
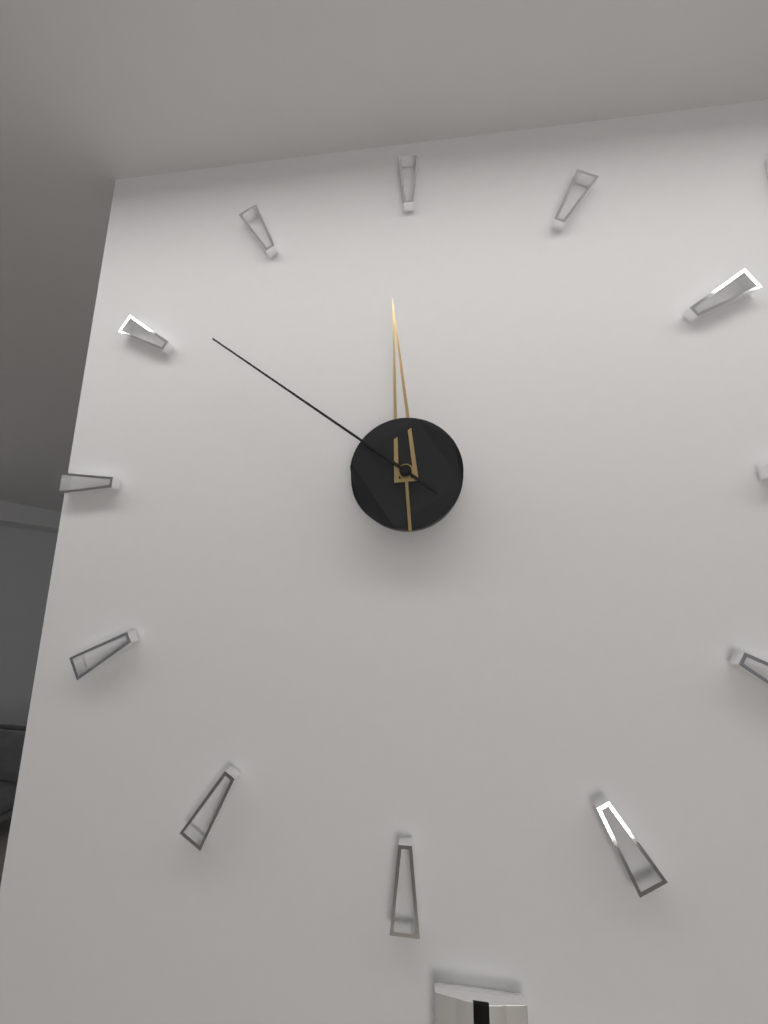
11:51
